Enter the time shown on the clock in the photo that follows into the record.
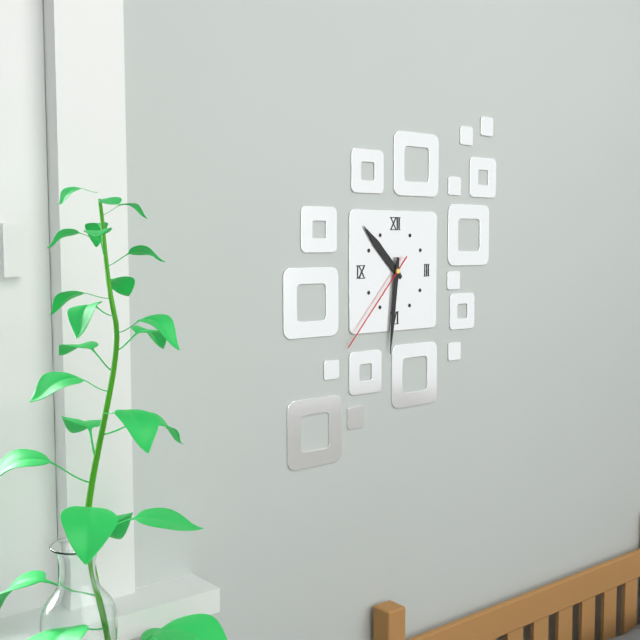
10:31:37
